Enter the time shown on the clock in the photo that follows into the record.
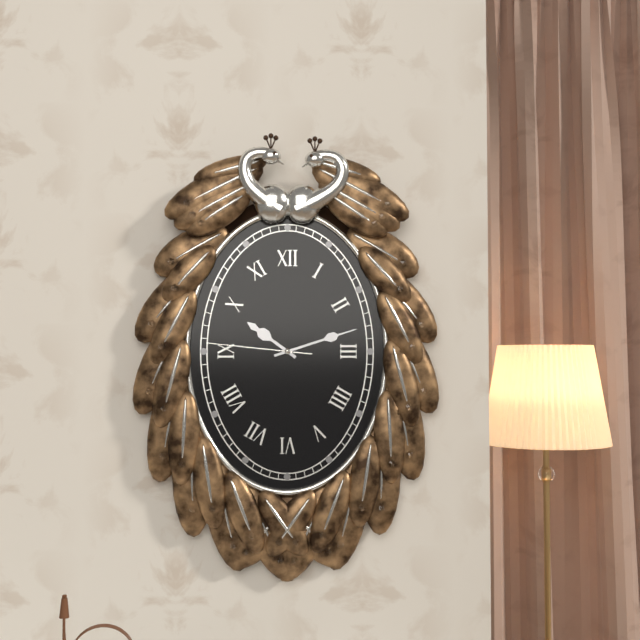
10:12:46
